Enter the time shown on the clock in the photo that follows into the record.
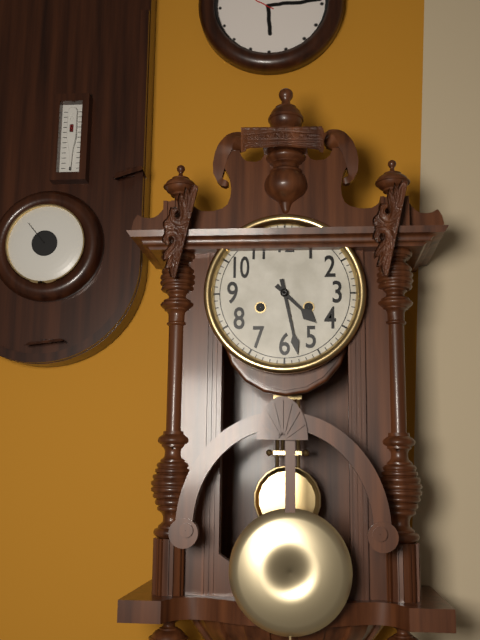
4:28
